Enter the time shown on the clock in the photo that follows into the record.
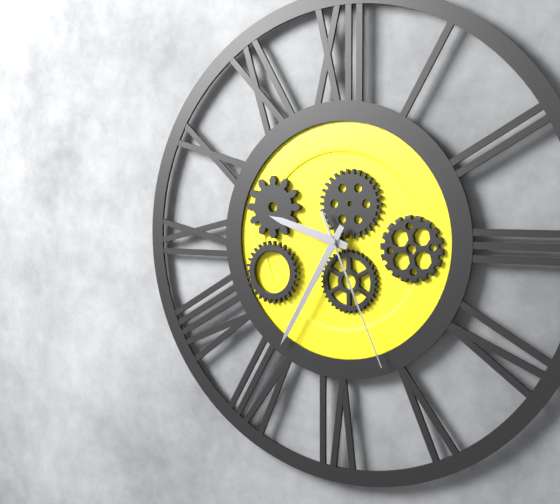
9:35:26
